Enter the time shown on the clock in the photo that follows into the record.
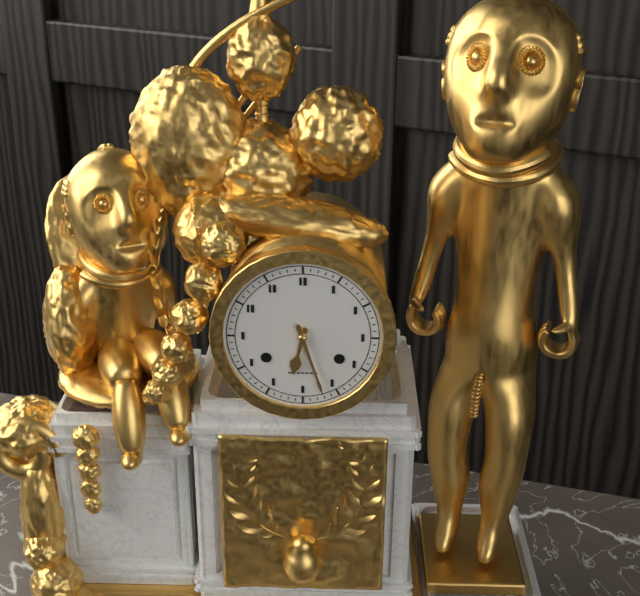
6:27
